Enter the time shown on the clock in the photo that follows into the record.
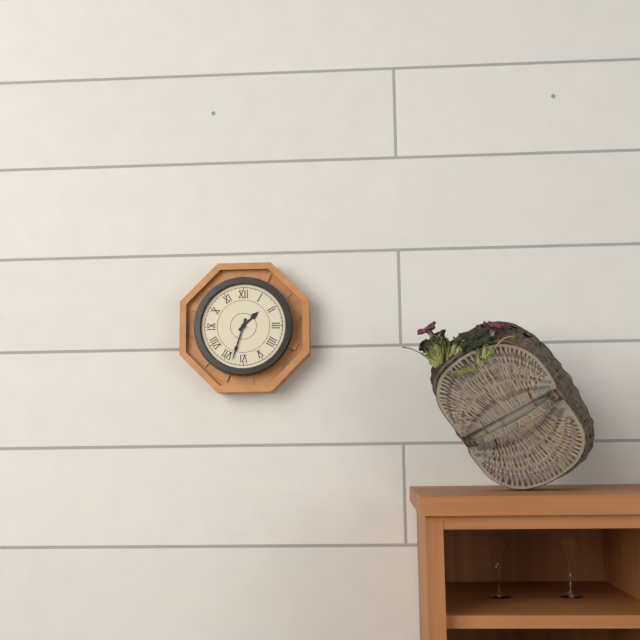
1:33
